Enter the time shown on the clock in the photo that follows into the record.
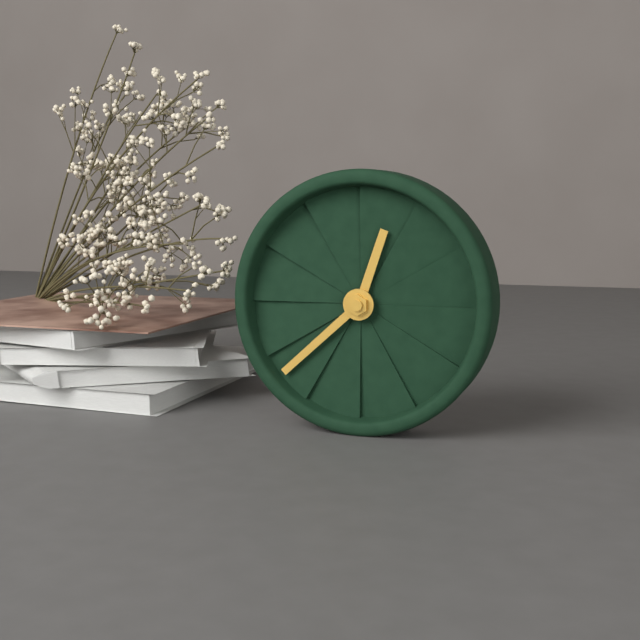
12:38
